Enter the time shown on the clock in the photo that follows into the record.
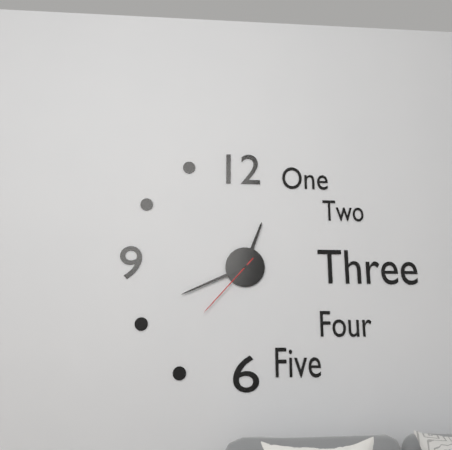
12:41:37
